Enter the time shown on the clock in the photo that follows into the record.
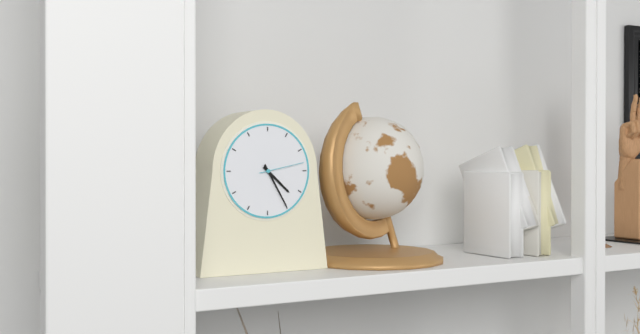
4:25
